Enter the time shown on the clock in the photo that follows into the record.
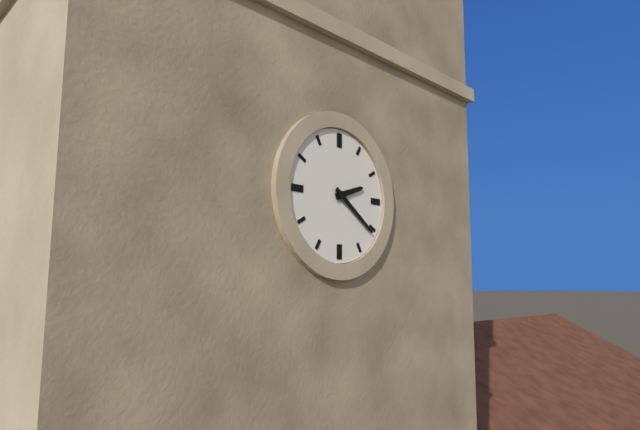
2:21
